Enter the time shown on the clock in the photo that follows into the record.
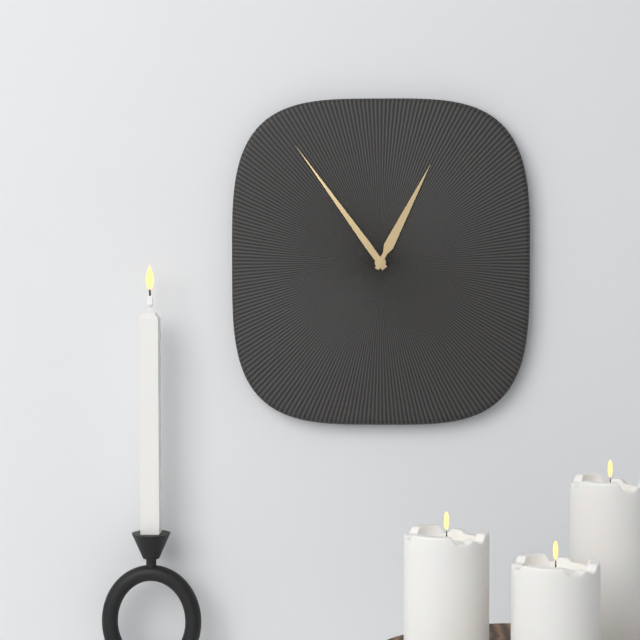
12:54
